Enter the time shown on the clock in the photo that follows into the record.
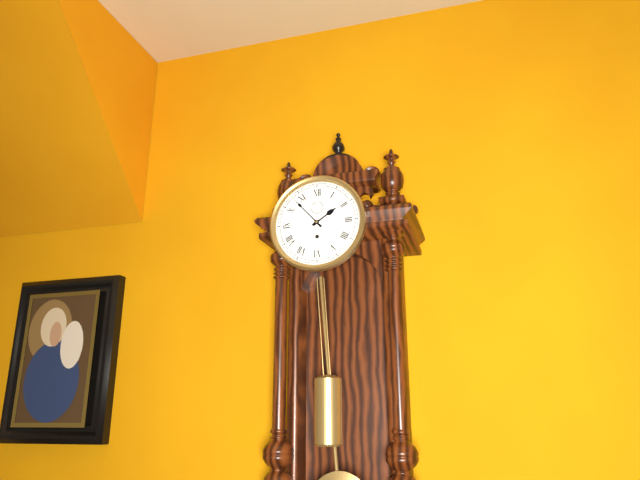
1:53
